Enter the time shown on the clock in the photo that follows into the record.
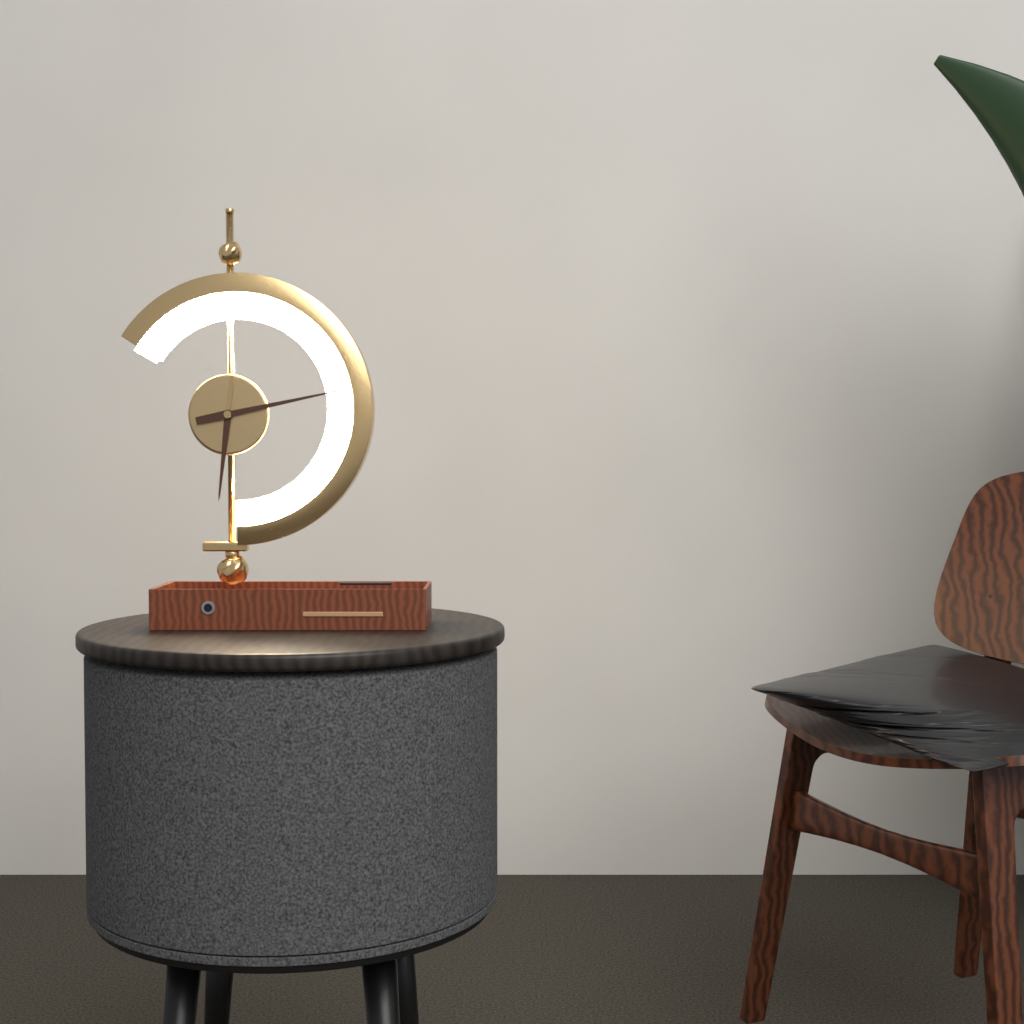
6:13
